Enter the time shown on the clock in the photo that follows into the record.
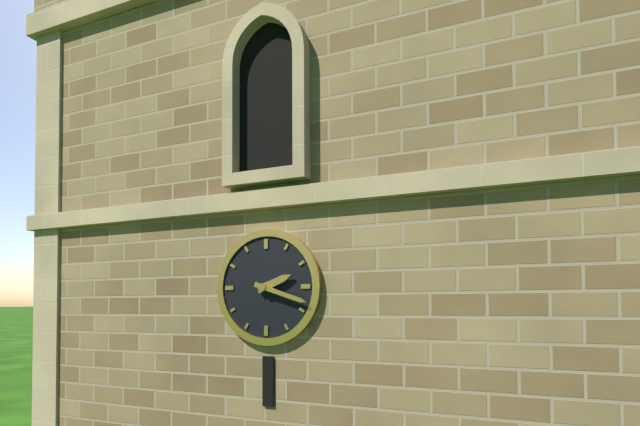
2:18
